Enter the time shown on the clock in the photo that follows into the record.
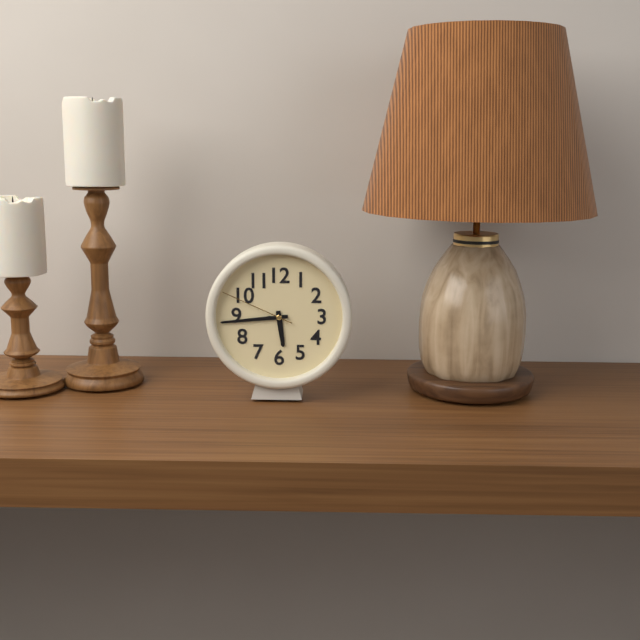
5:44:49
